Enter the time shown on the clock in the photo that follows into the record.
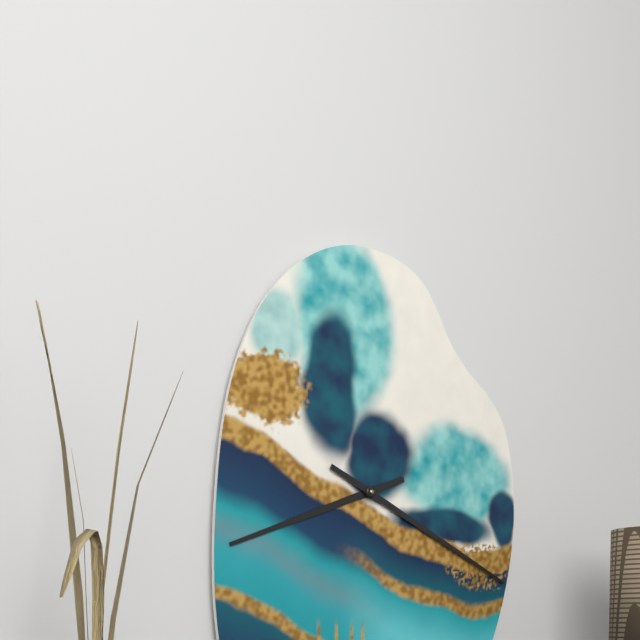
8:19
